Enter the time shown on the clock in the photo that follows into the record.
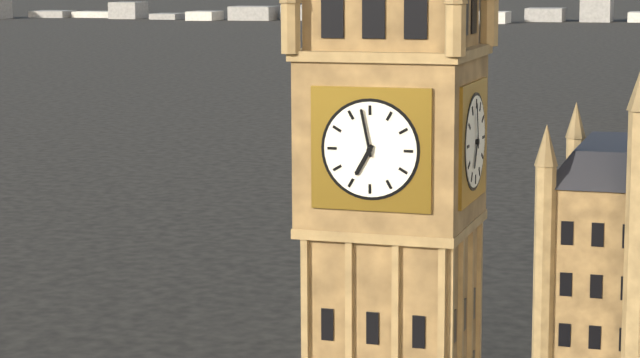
6:58
